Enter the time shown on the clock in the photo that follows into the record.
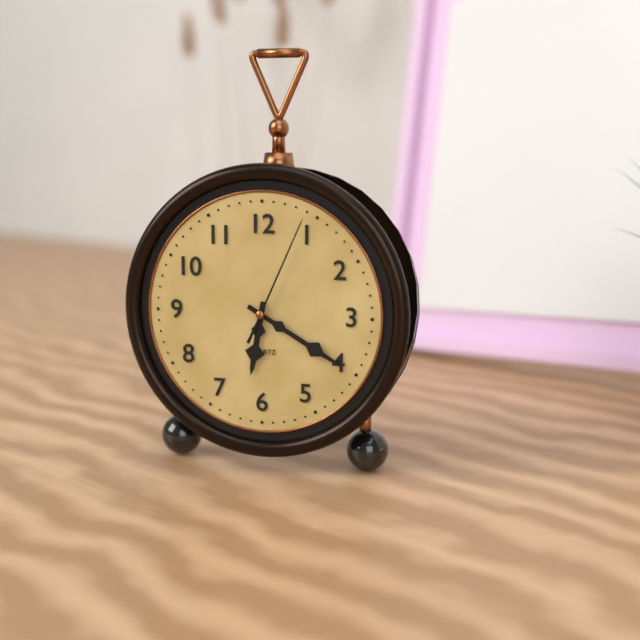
6:20:04
